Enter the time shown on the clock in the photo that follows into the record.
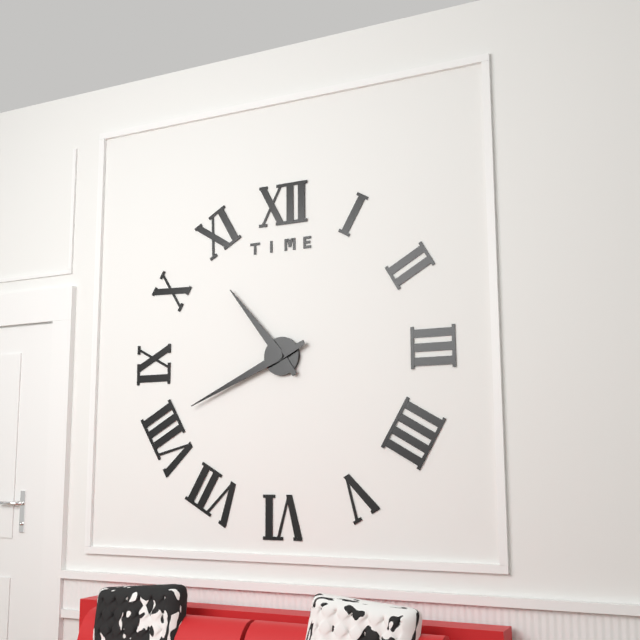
10:41
